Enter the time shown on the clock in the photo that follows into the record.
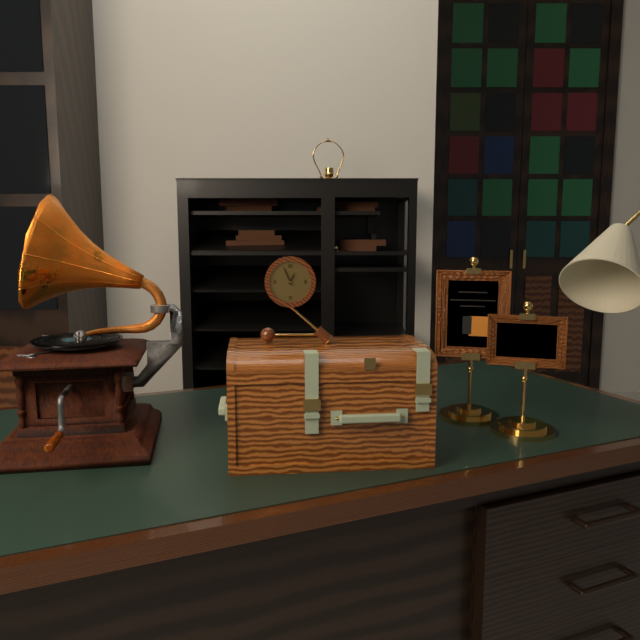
12:56
